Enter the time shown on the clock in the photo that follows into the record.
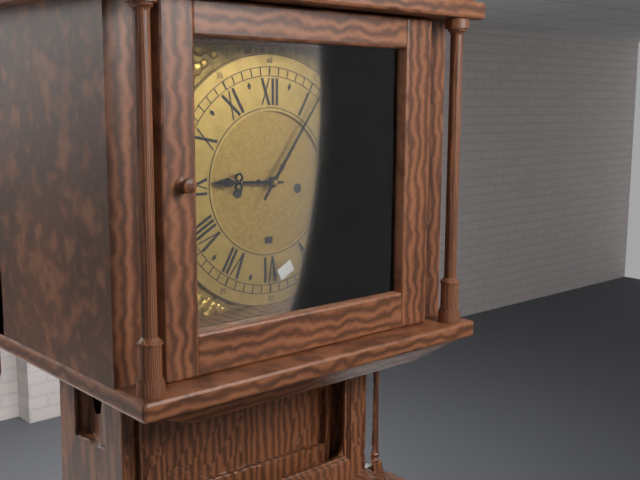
9:06
